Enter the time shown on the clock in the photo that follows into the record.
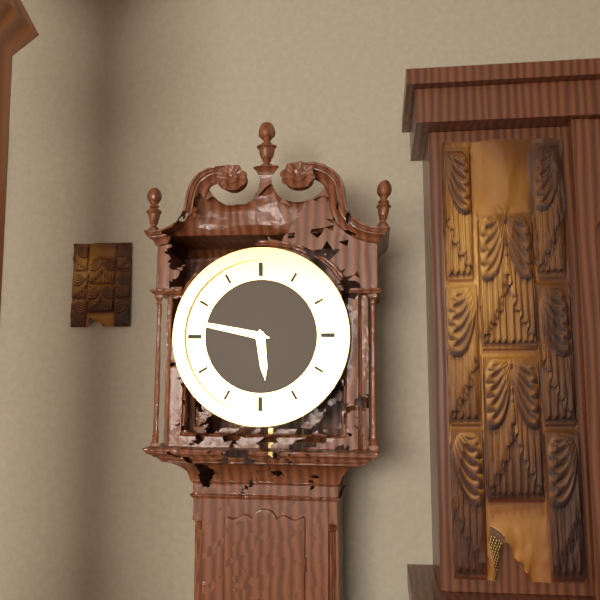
5:47
